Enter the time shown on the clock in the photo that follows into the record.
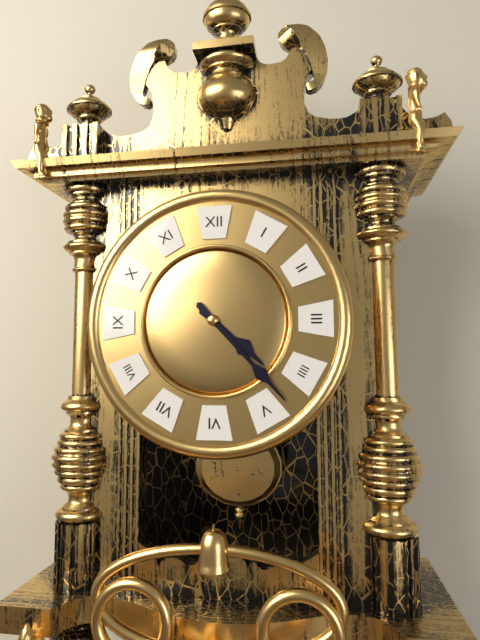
4:23
